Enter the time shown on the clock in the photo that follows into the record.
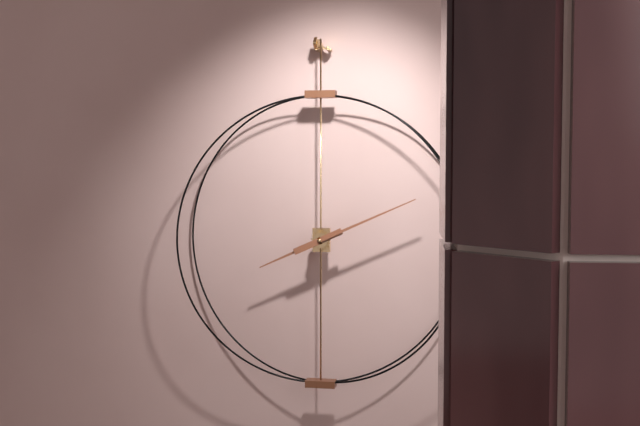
8:11
